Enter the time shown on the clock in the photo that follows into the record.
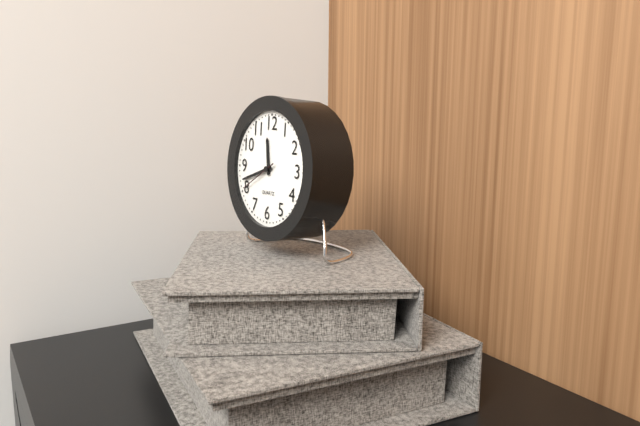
11:42
